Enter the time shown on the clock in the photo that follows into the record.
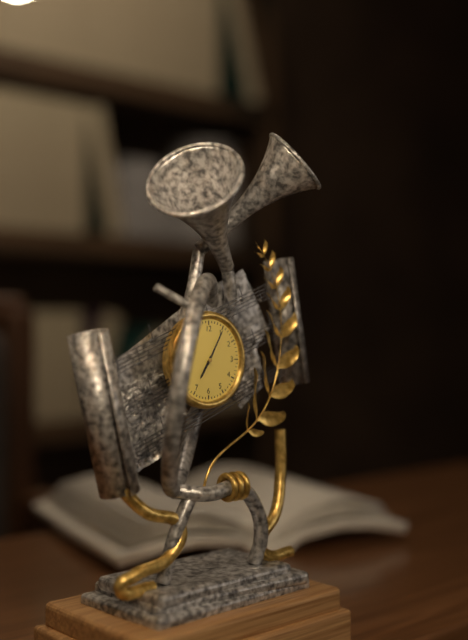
7:05
